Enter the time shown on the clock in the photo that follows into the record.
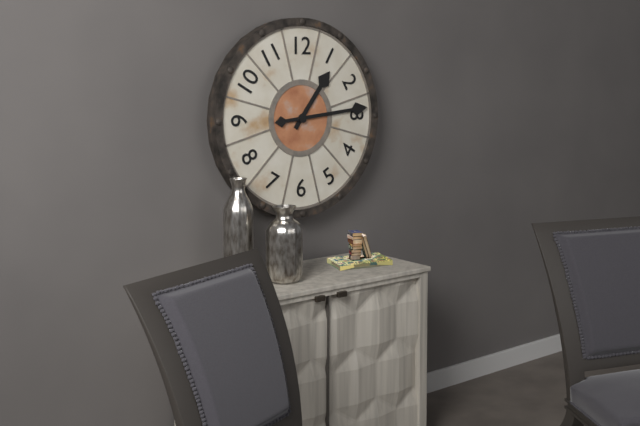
1:14
